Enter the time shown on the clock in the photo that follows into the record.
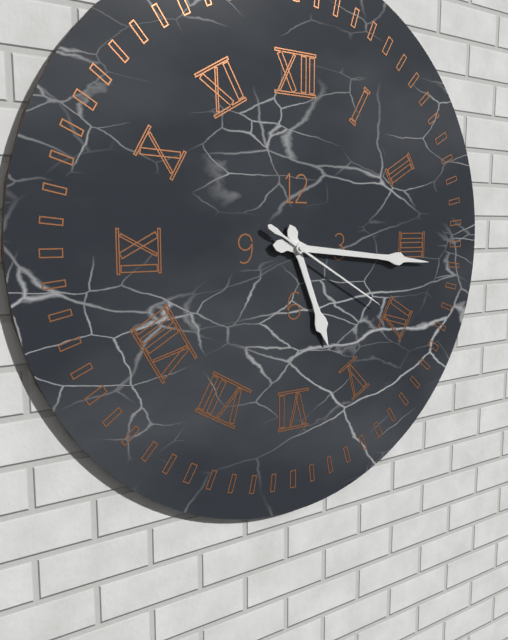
5:16:20
